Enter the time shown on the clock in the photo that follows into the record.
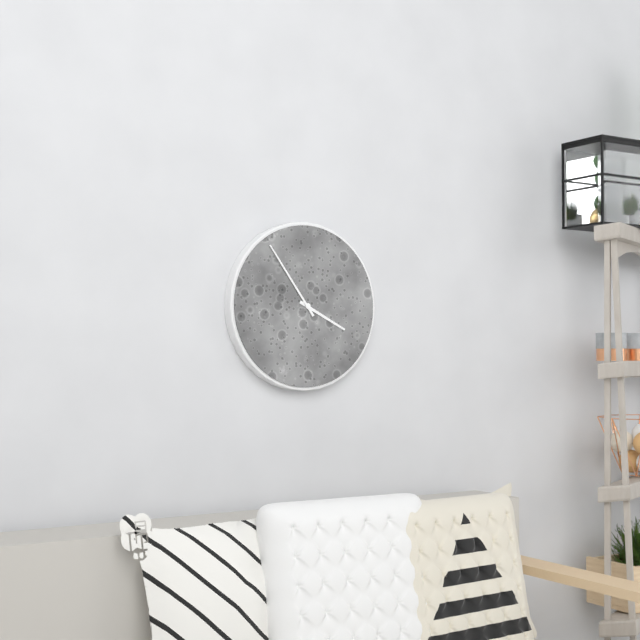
3:54
